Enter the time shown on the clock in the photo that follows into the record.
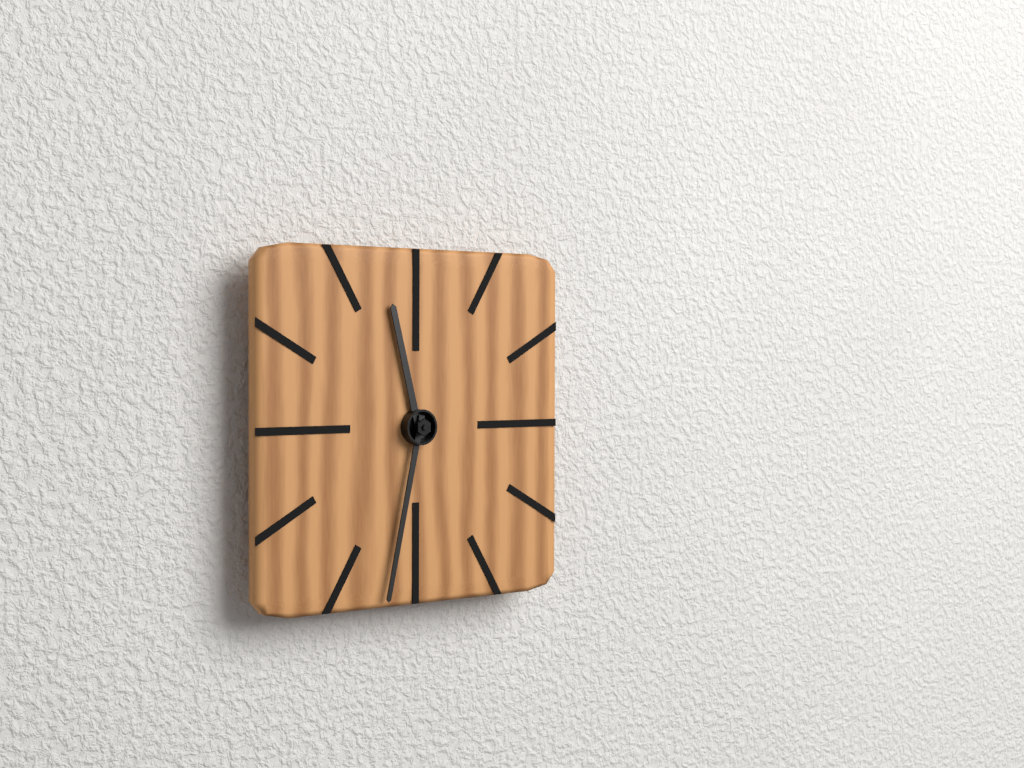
11:32
